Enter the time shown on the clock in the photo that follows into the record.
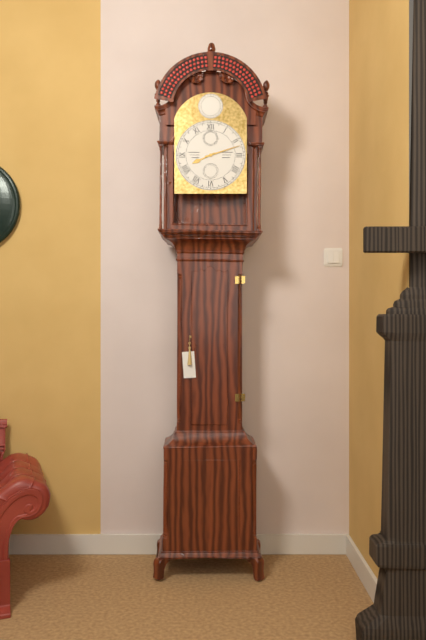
8:12
